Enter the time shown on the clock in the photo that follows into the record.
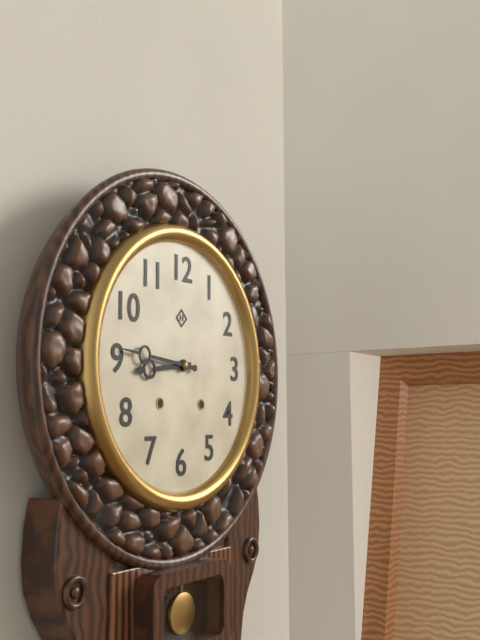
8:46
